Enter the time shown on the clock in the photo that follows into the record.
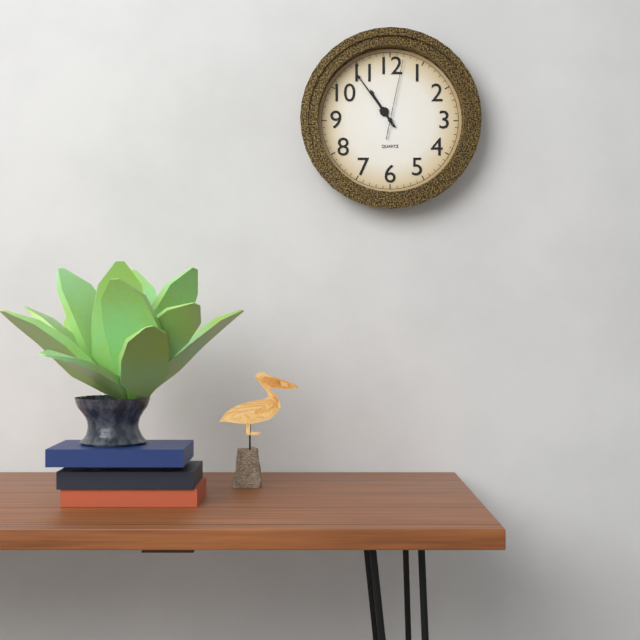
10:54:02
